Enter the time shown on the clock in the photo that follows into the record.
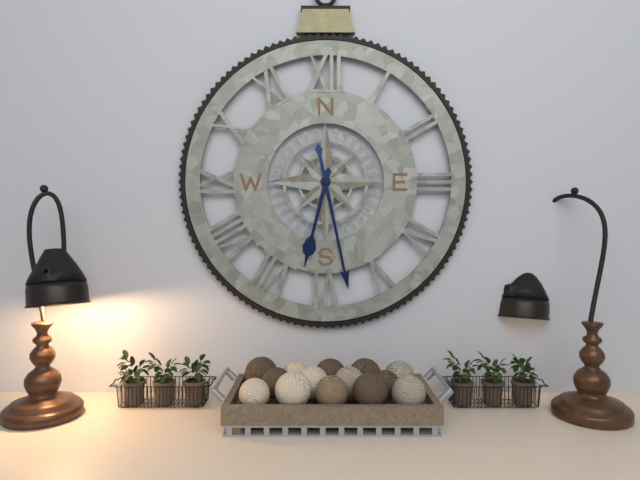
6:28
